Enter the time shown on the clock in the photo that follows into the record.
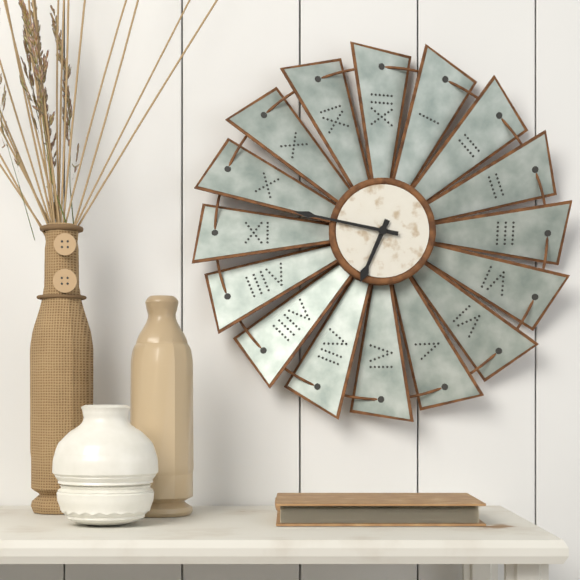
6:47
